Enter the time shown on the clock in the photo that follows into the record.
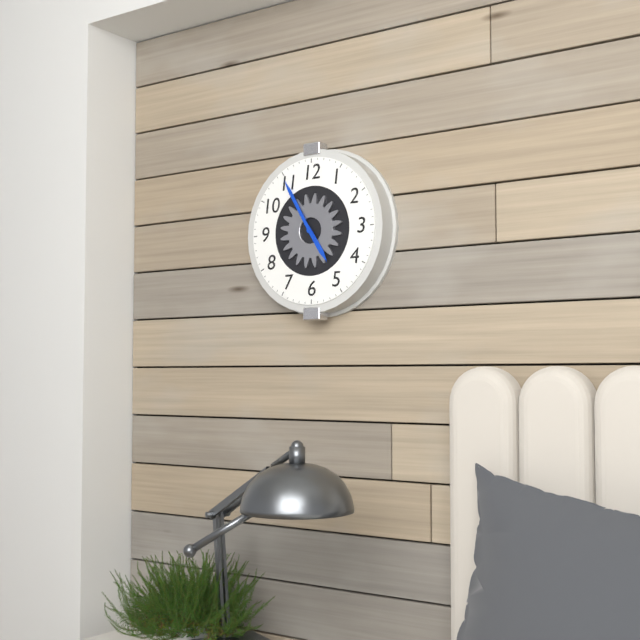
4:55
